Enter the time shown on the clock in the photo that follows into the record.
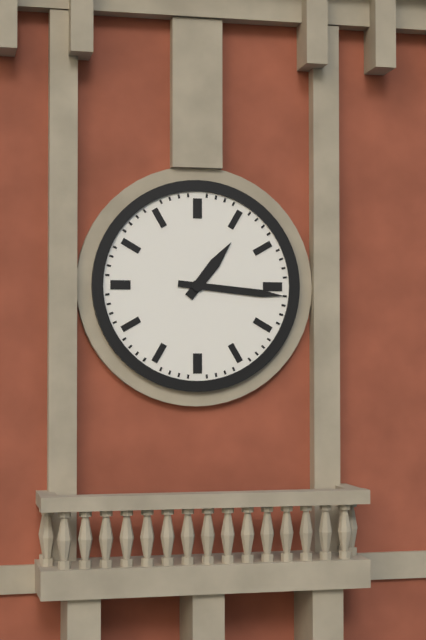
1:16
